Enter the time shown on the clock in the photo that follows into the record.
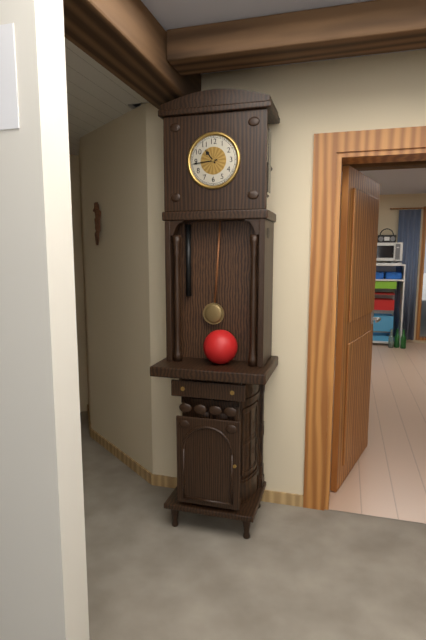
10:44
